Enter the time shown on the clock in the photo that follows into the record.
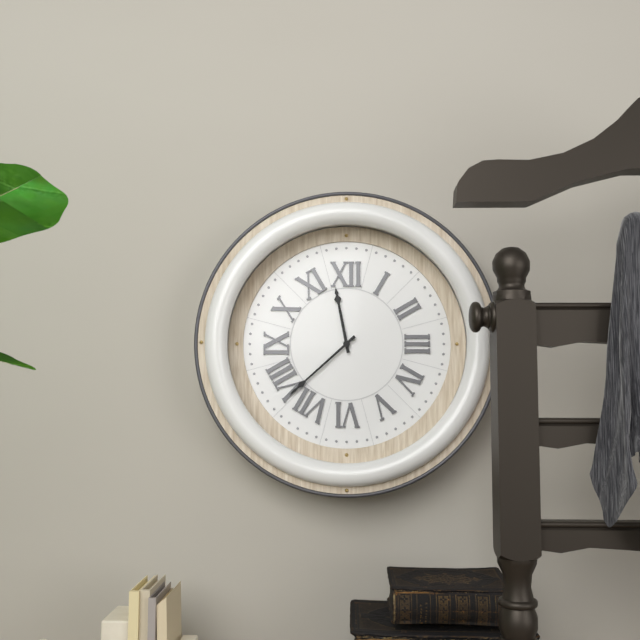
11:38
